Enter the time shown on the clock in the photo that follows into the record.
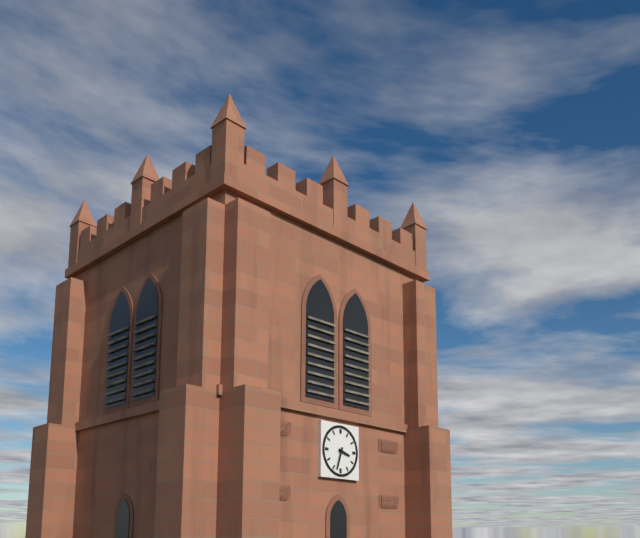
3:33
